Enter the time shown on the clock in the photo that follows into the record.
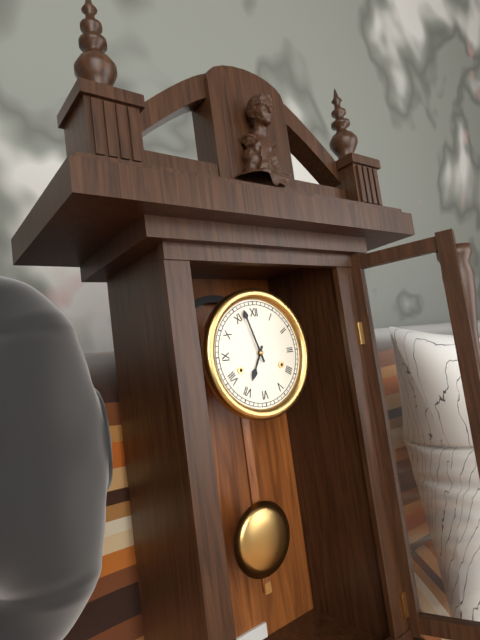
6:57
